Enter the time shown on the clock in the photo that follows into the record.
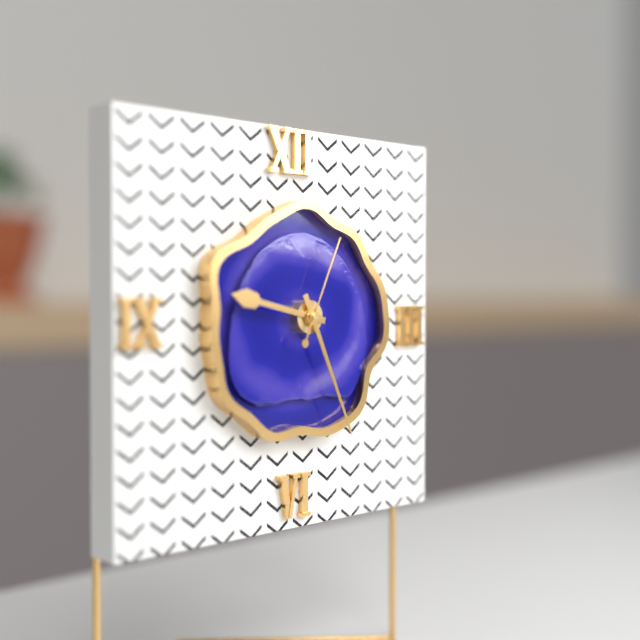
9:26:04
